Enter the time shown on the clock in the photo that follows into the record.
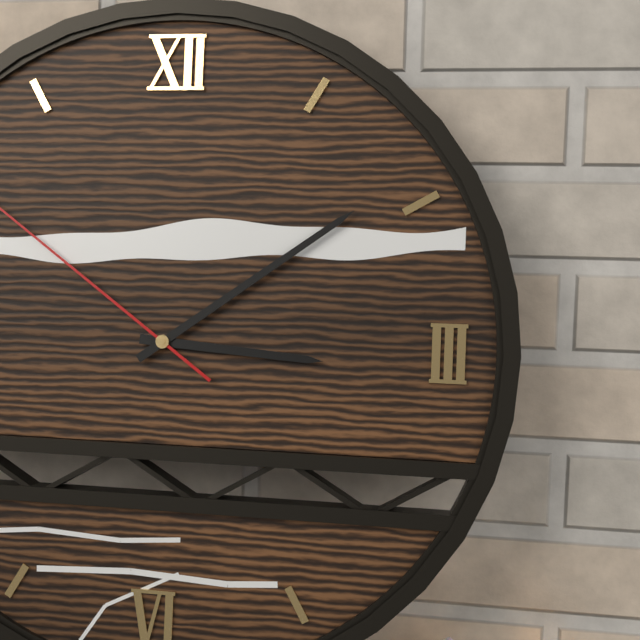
3:09
